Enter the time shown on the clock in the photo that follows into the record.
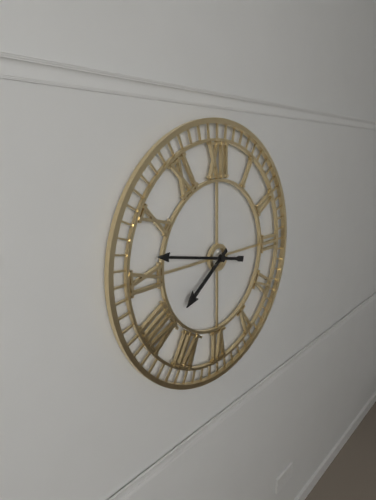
7:47
